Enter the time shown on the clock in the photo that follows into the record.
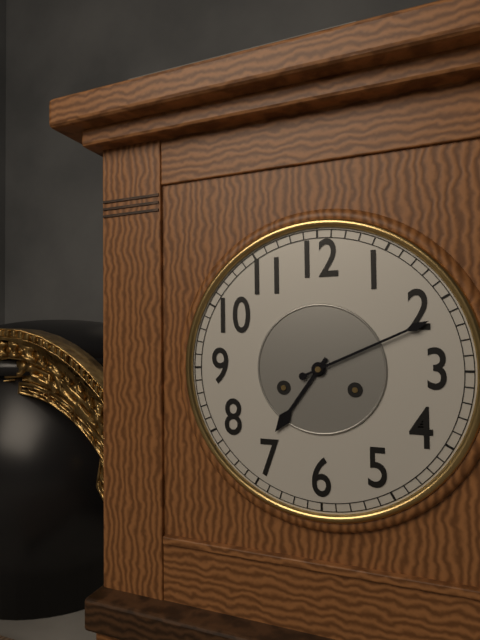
7:11
